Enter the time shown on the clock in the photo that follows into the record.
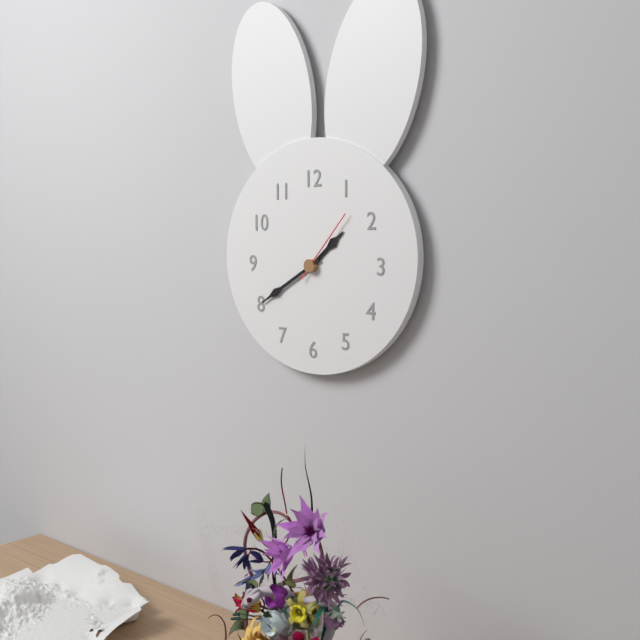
1:40:07
